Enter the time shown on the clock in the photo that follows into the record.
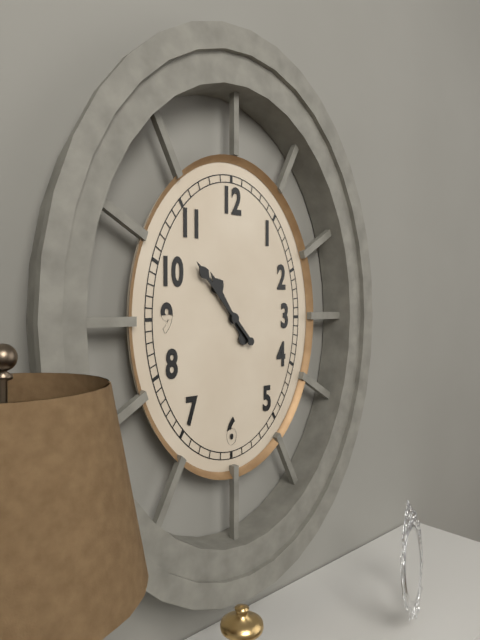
10:53
